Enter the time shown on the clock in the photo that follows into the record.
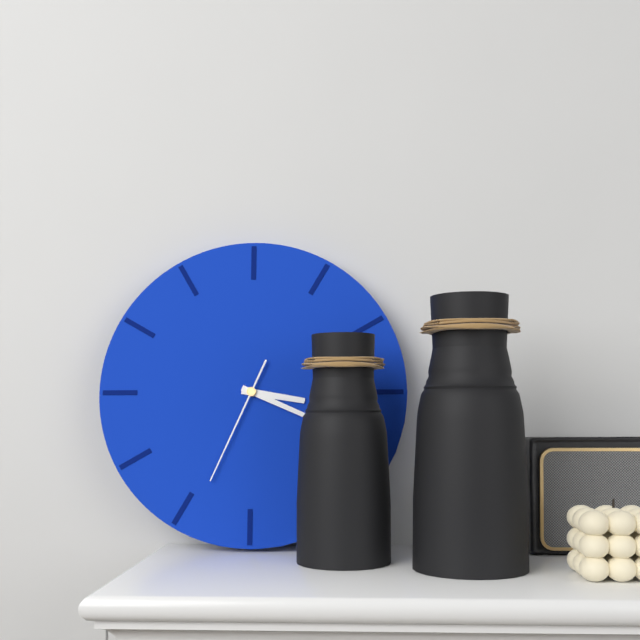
3:19:34
